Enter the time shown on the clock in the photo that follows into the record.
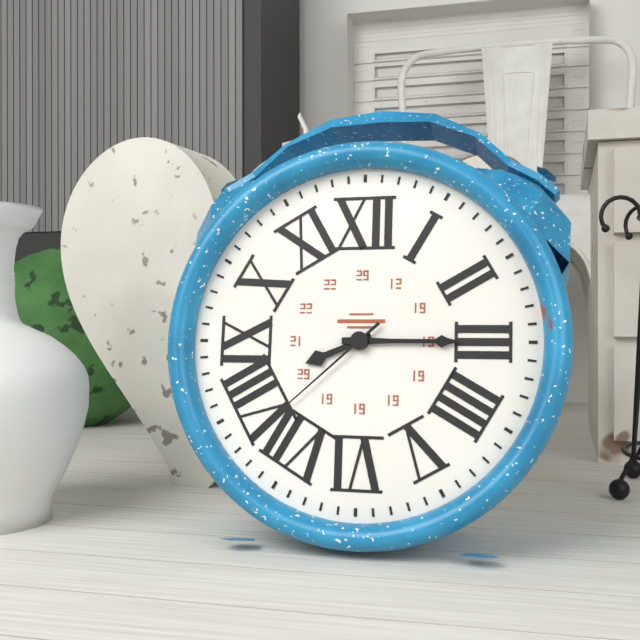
8:15:38
